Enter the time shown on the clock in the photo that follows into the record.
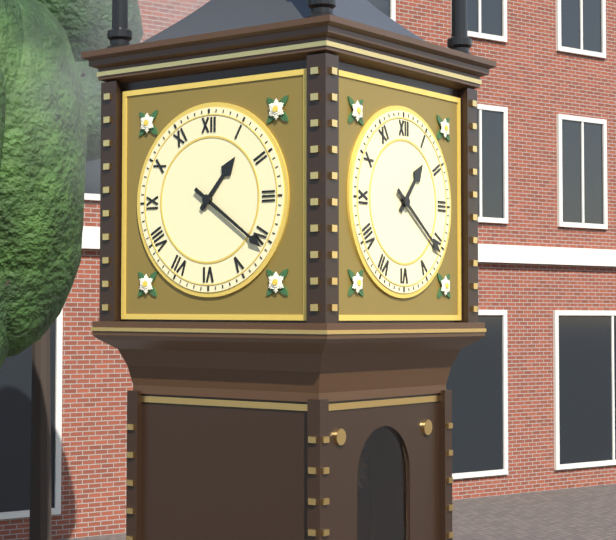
1:21
